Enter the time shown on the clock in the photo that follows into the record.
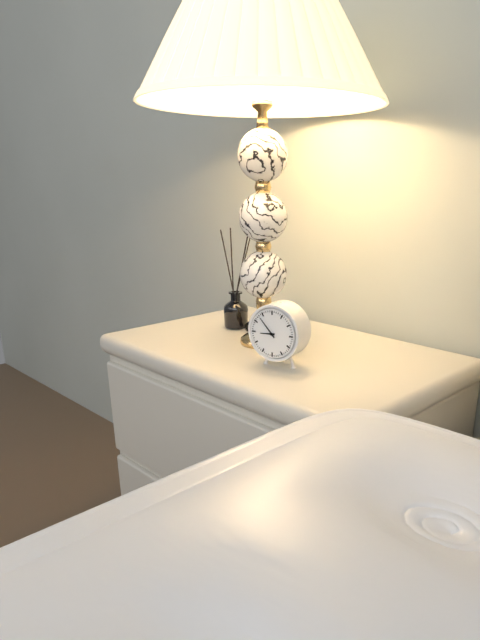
8:53
